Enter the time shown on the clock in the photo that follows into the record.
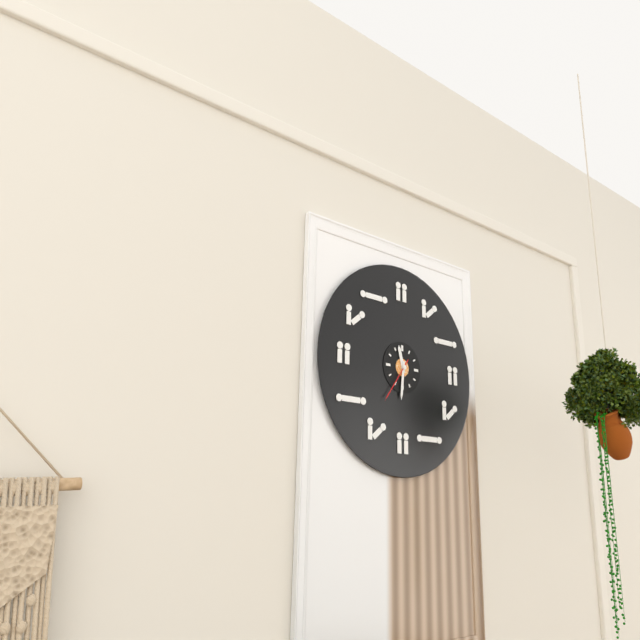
11:31
